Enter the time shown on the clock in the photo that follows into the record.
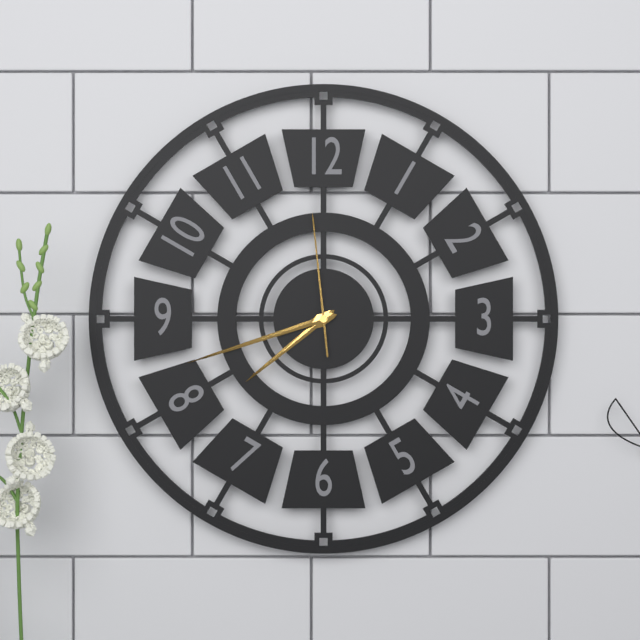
7:42:59
